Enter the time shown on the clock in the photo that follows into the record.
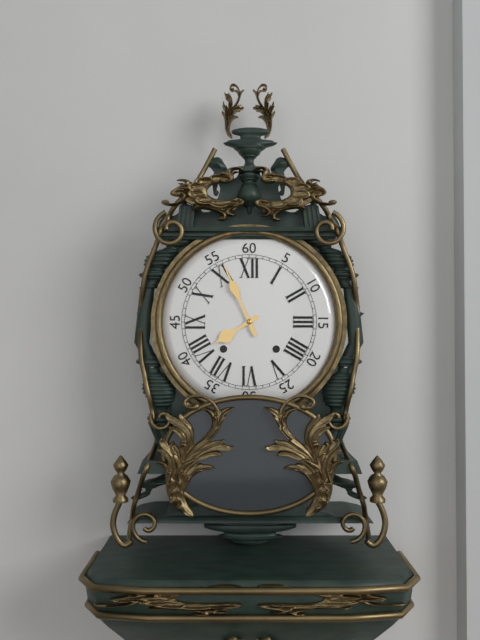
7:56
